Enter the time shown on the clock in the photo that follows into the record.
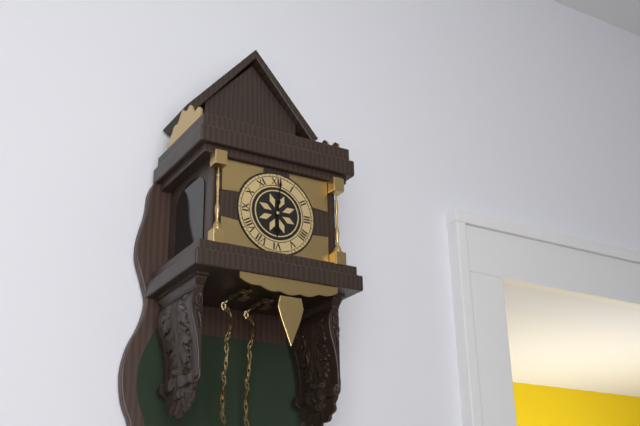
6:01
